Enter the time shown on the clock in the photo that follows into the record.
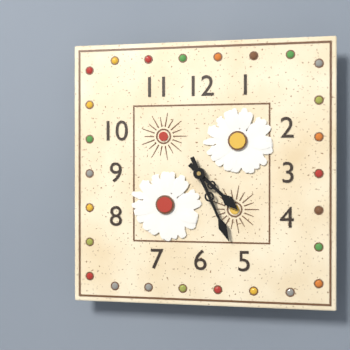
4:26
